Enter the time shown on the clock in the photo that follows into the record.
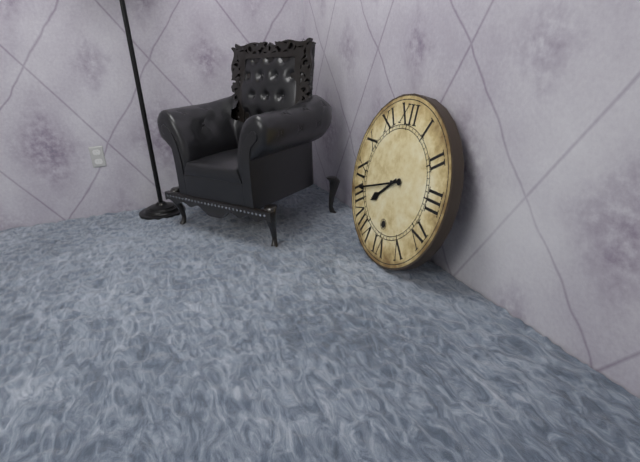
7:42
